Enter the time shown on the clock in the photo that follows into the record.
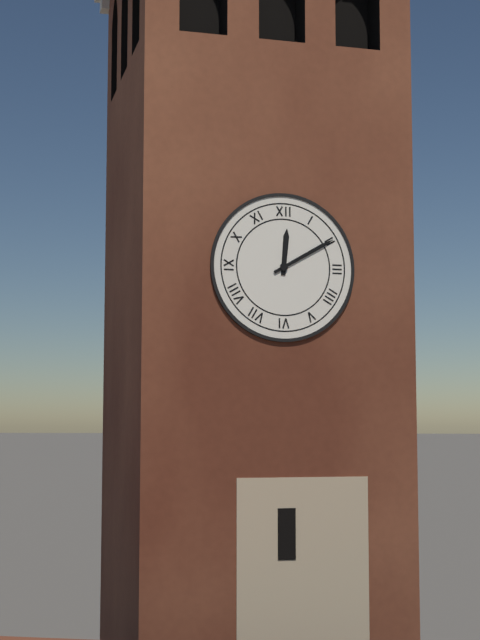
12:10
